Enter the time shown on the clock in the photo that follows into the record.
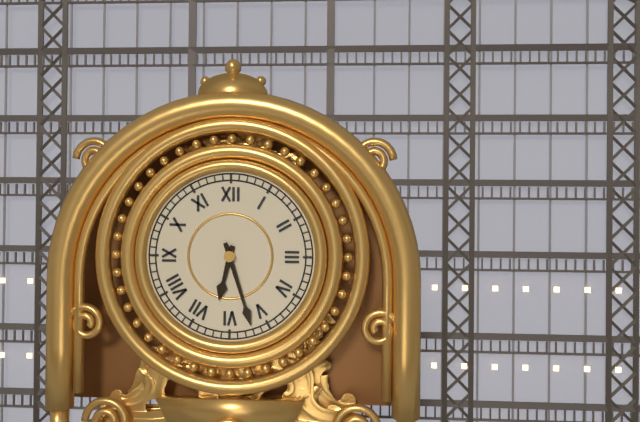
6:27
